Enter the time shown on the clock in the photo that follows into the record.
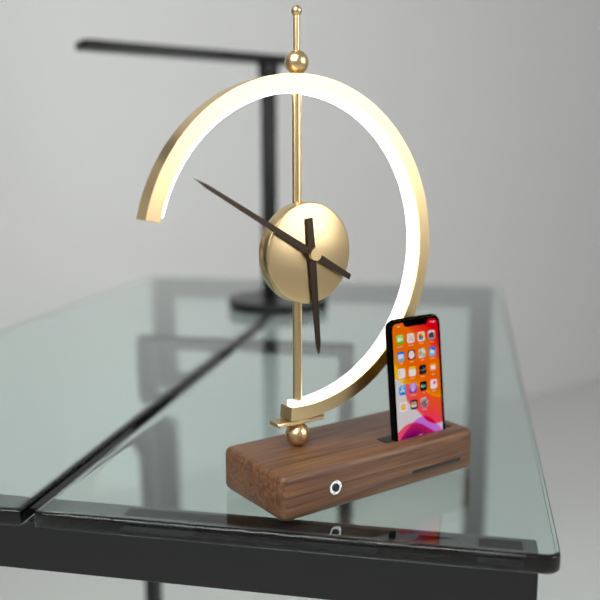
5:50
